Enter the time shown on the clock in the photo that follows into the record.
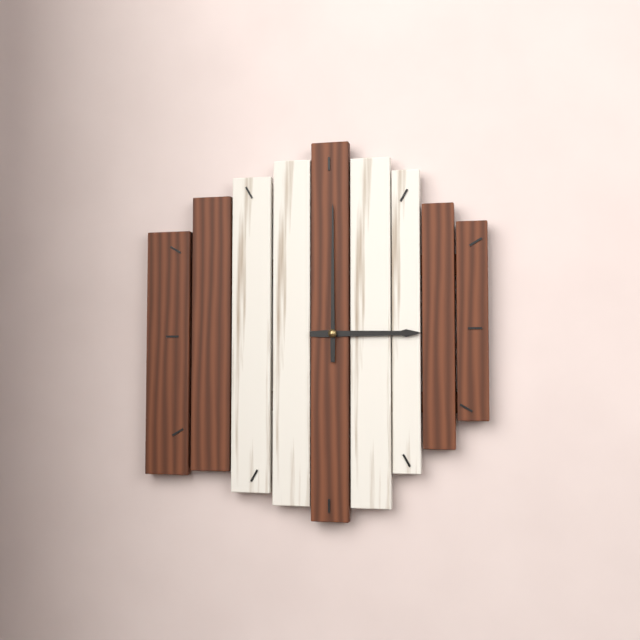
3:00
